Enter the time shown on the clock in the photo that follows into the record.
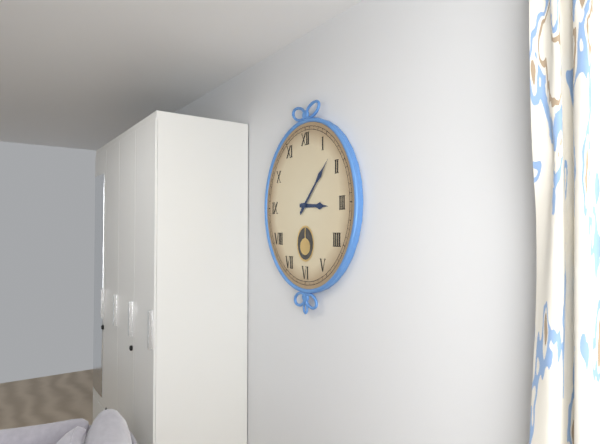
3:07
